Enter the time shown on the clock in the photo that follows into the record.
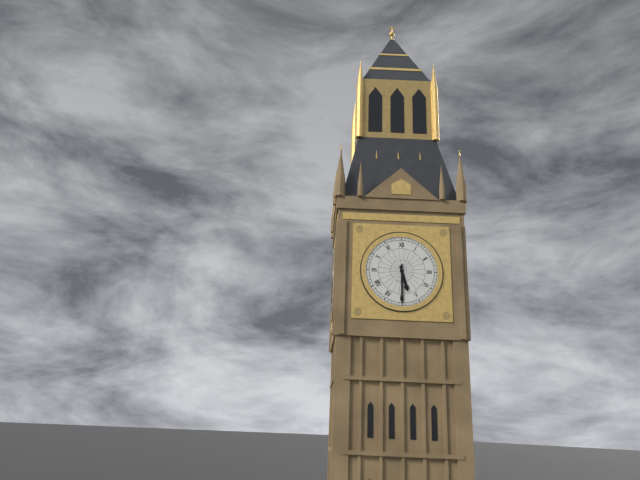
5:30
